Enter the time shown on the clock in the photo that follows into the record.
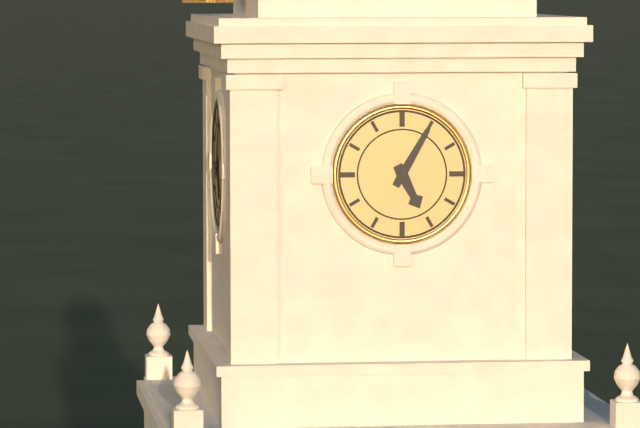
5:05
